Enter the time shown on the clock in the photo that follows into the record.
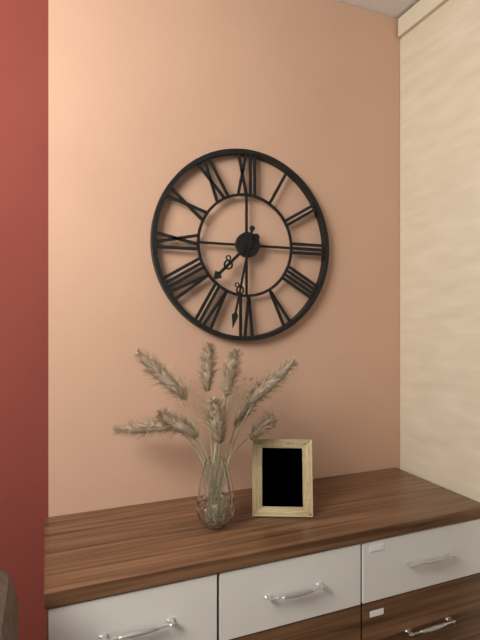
7:32
